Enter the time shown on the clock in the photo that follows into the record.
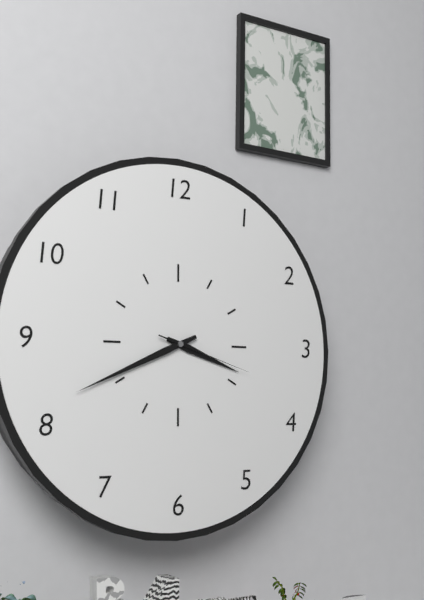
3:41:18
